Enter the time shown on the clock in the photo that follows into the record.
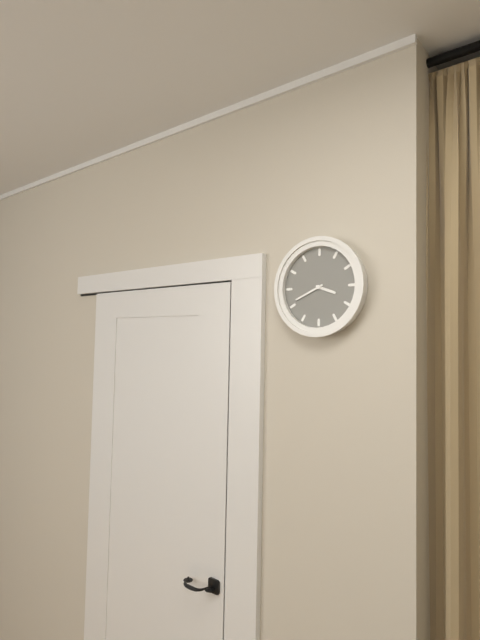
3:41
